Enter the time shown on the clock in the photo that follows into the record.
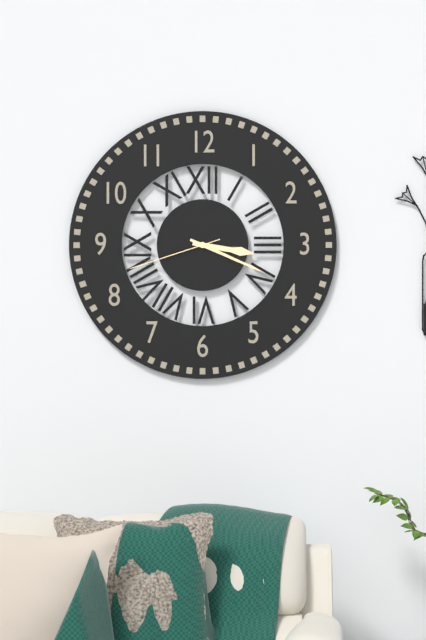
3:19:42
